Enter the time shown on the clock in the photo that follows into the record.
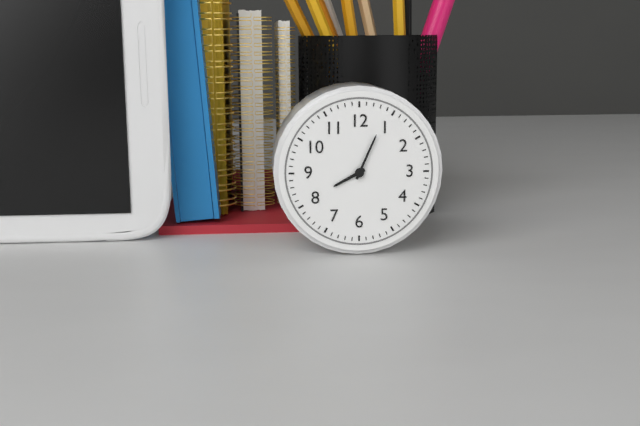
8:04
